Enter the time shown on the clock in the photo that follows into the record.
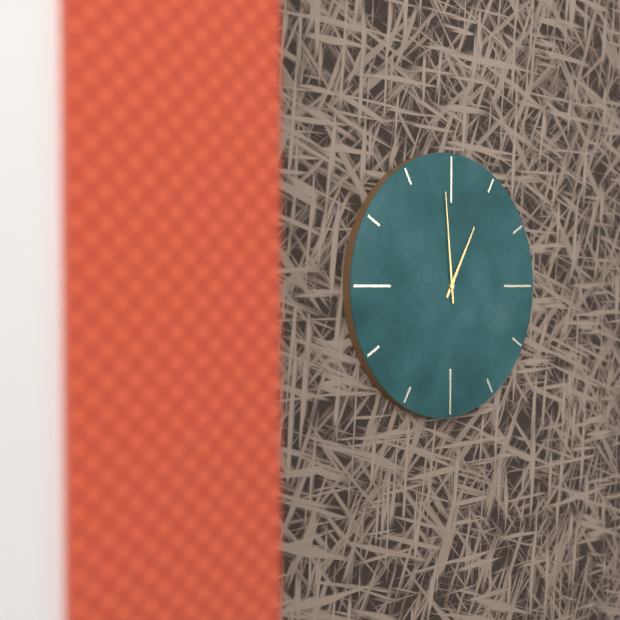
12:59
